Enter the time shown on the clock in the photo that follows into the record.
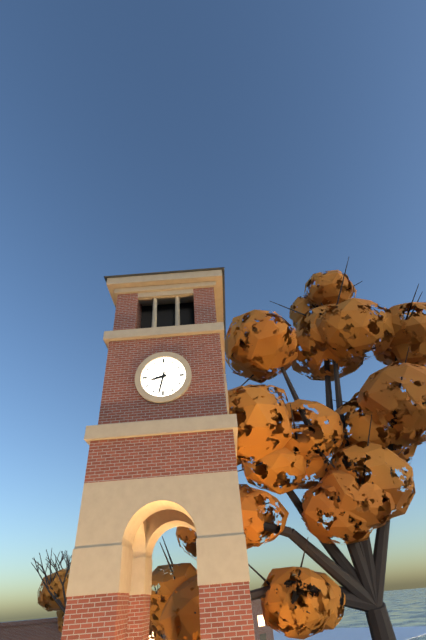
8:32
